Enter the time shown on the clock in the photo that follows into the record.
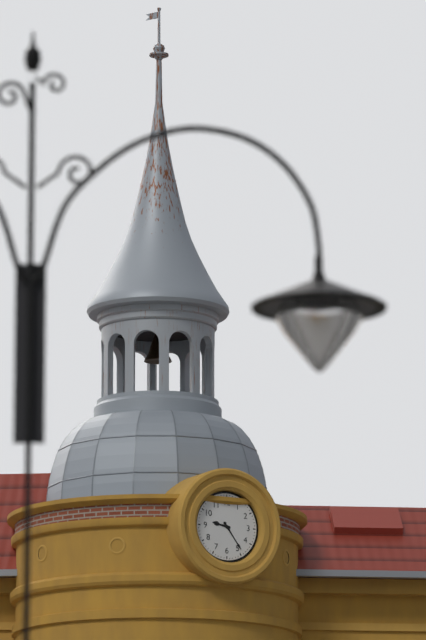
9:24
